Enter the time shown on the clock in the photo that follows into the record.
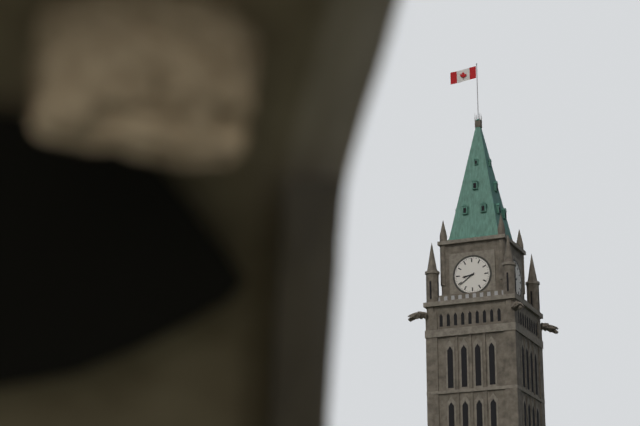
8:39
